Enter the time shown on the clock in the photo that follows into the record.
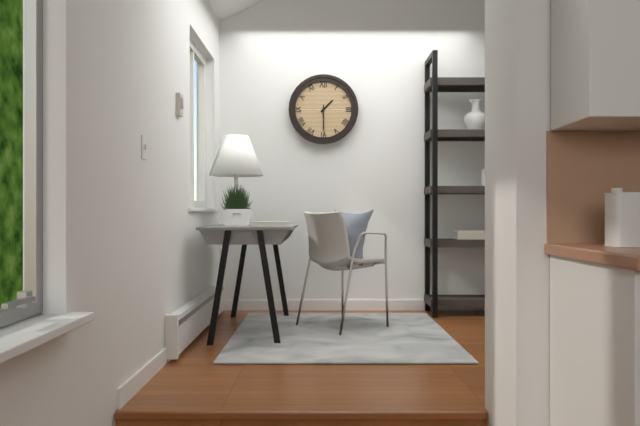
1:30
